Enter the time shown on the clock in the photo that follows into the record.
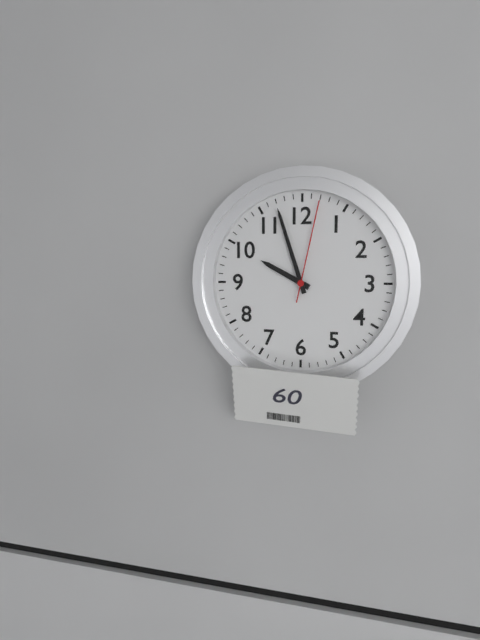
9:57:02
